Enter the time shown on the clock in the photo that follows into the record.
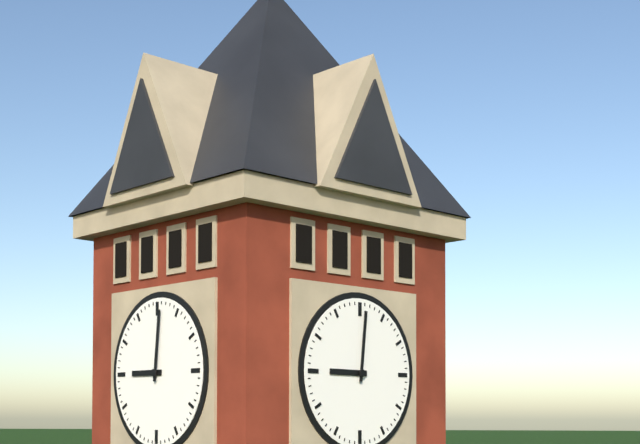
9:01
